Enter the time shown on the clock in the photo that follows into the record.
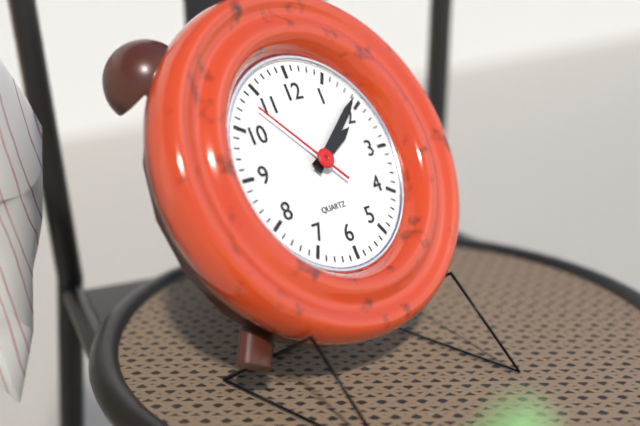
2:09:53
